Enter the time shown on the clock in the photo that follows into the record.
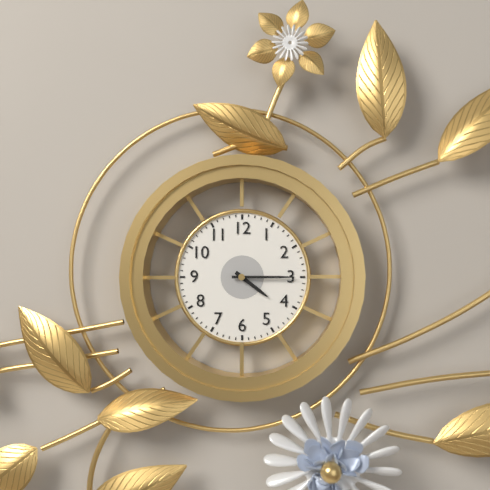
4:15
